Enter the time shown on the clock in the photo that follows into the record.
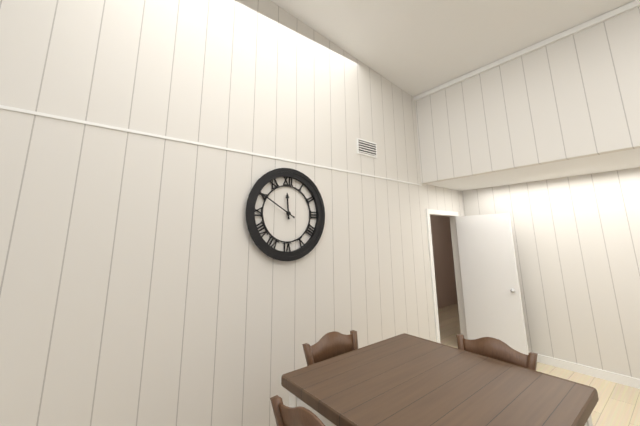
11:50
